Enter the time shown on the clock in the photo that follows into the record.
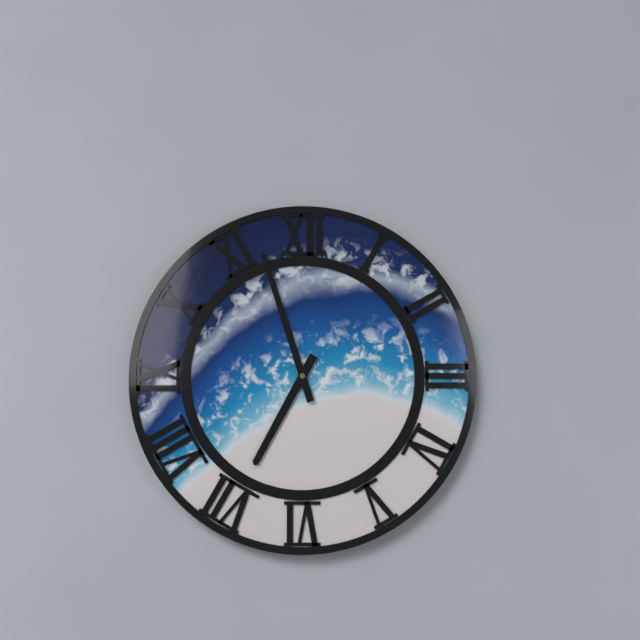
6:57
